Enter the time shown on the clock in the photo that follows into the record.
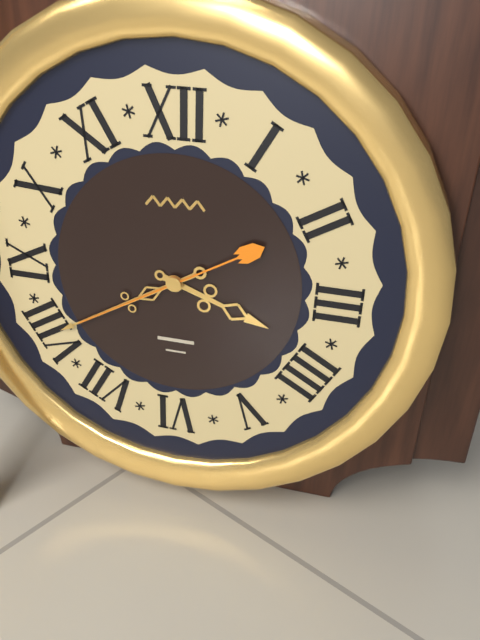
3:40:40
